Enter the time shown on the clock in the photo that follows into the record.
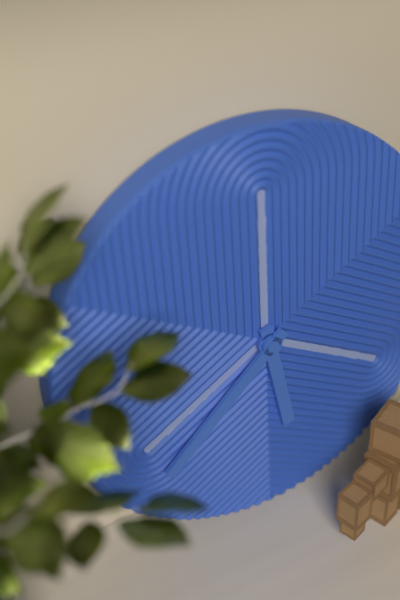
5:38
